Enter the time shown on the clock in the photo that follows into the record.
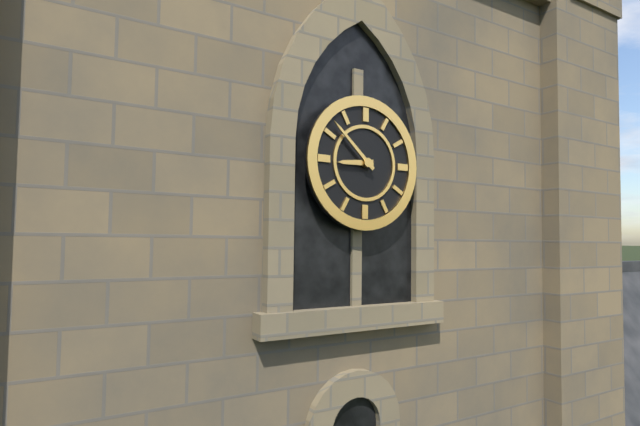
8:52
